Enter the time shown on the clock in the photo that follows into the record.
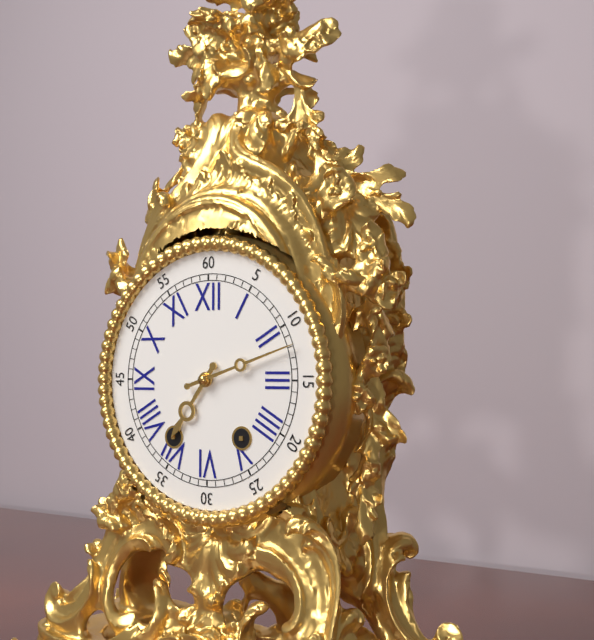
7:12
